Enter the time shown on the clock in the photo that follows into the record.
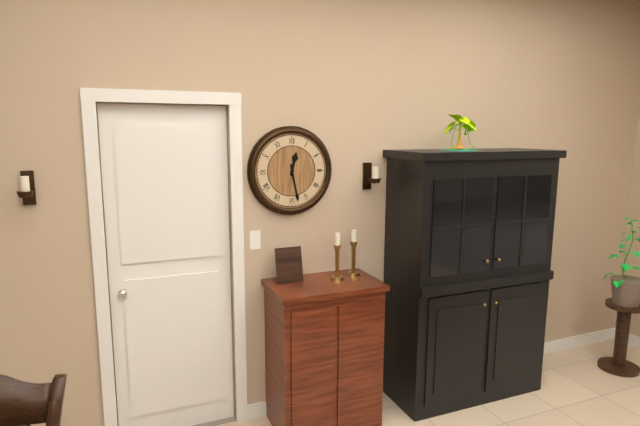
12:28
